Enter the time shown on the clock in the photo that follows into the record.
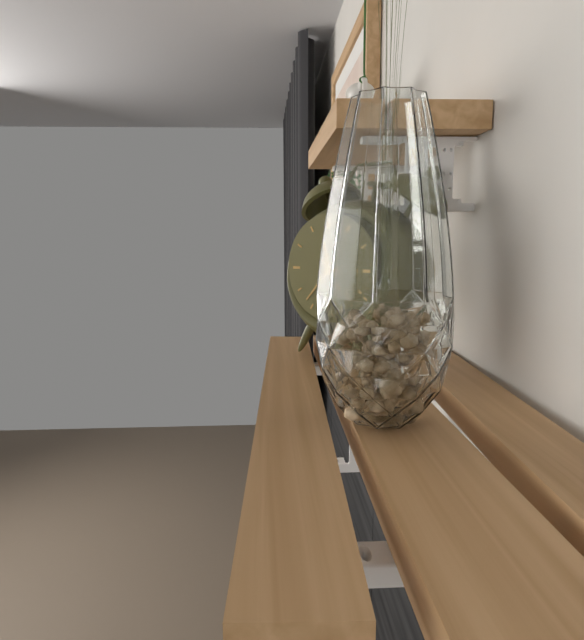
11:37:24
